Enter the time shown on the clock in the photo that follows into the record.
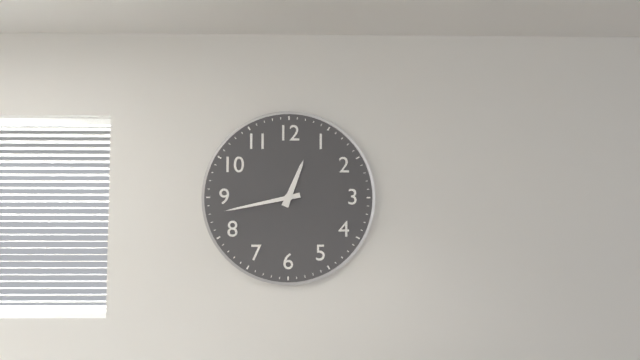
12:43
